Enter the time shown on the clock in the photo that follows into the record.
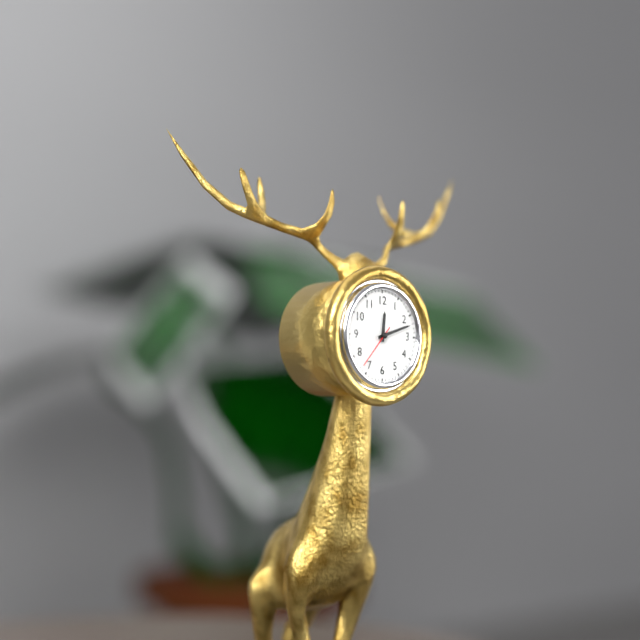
12:12
